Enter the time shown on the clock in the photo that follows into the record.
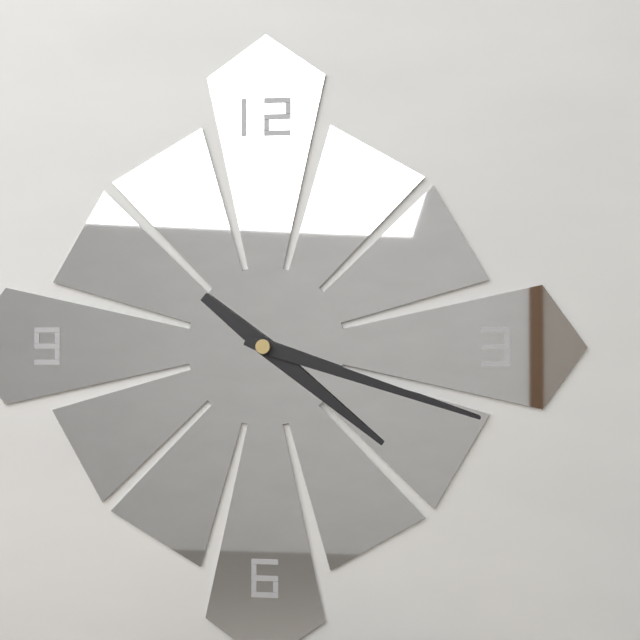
4:18
